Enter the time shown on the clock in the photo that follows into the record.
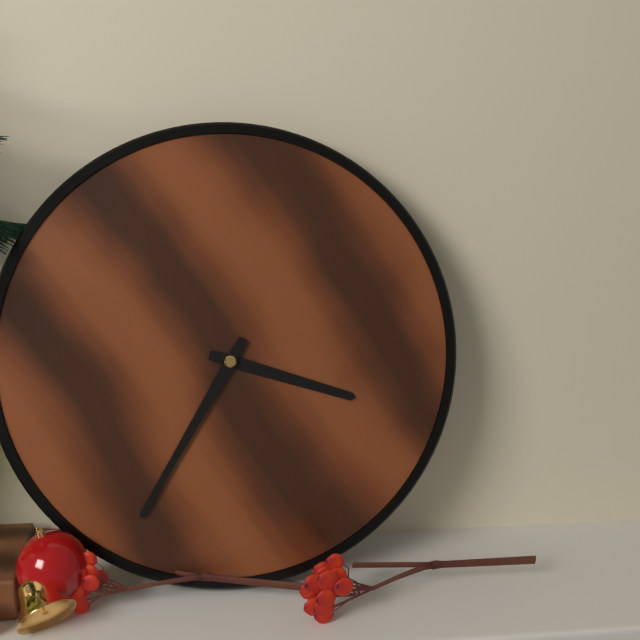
3:35
